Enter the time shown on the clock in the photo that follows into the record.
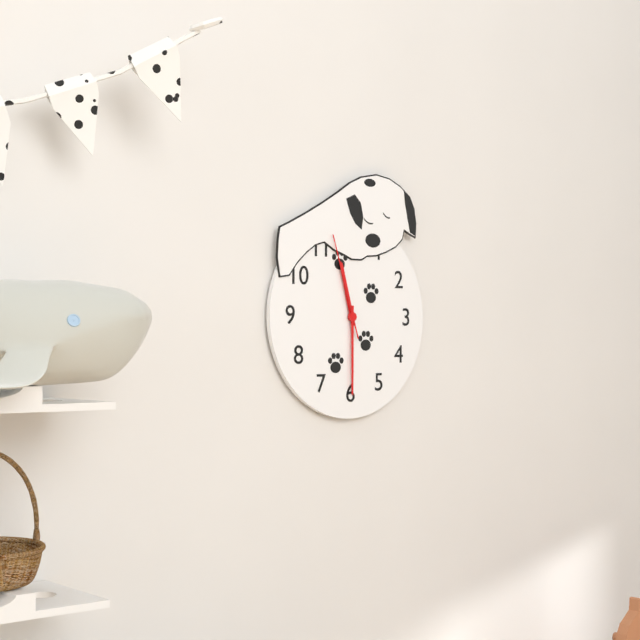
11:30:57
